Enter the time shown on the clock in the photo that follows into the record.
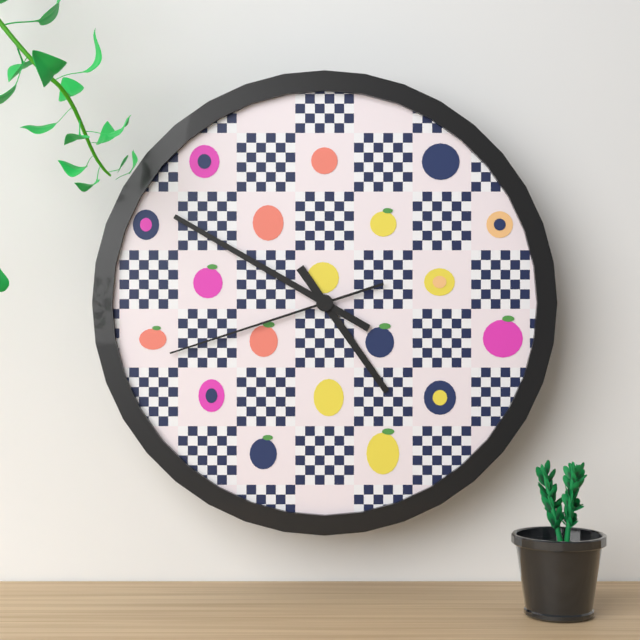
4:50:42
